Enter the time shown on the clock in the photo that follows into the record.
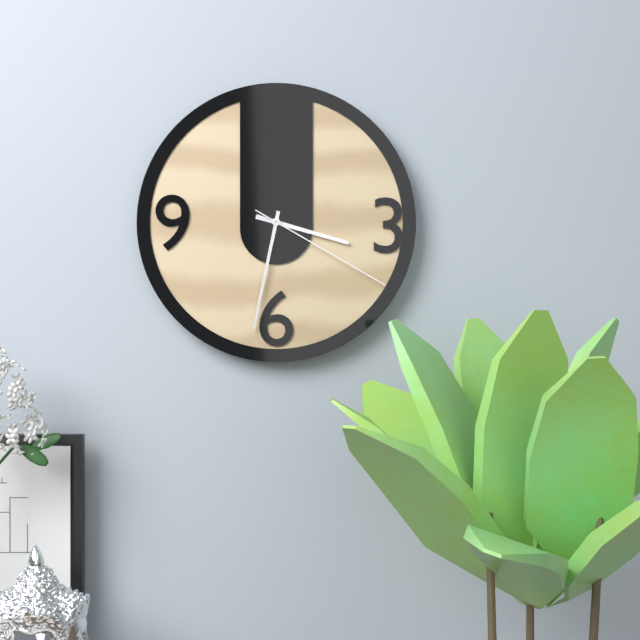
3:32:20
